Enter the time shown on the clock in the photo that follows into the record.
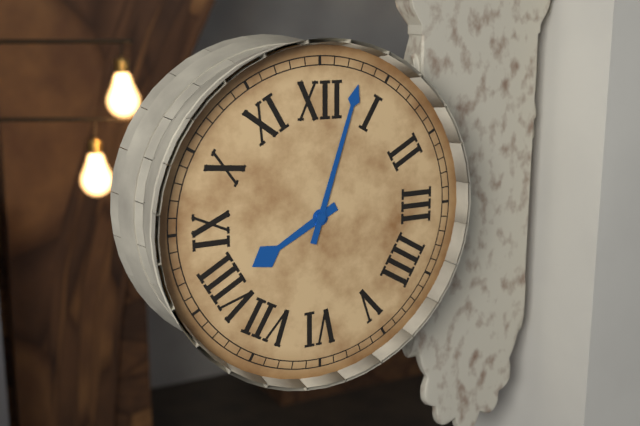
8:03
